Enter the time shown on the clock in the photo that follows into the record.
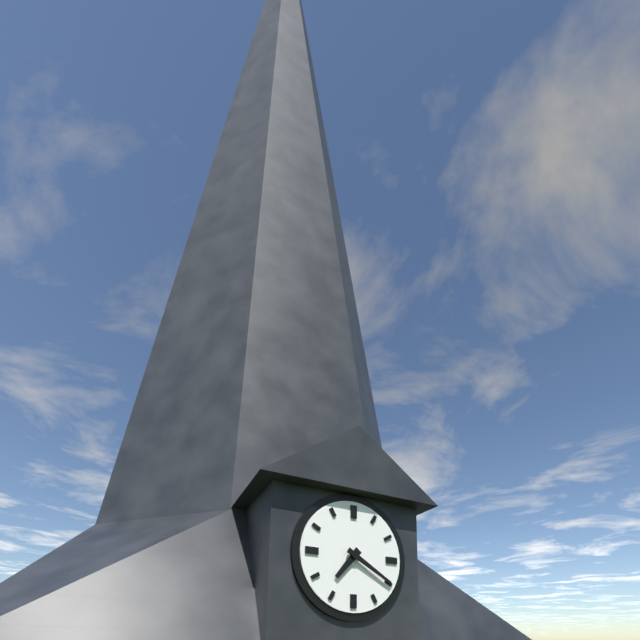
7:20
